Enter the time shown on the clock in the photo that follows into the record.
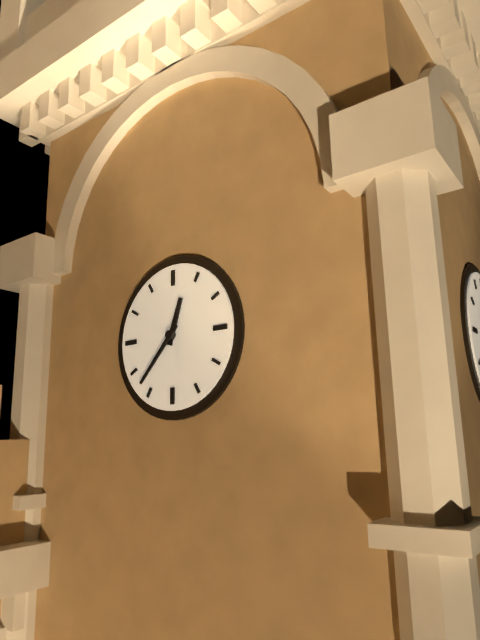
12:37
